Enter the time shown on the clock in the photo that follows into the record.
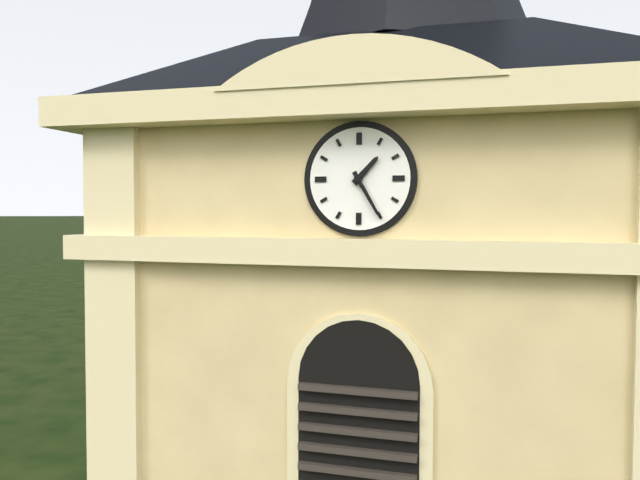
1:25
